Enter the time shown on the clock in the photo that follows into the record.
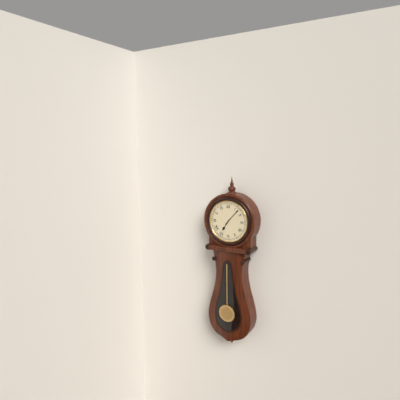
7:07
